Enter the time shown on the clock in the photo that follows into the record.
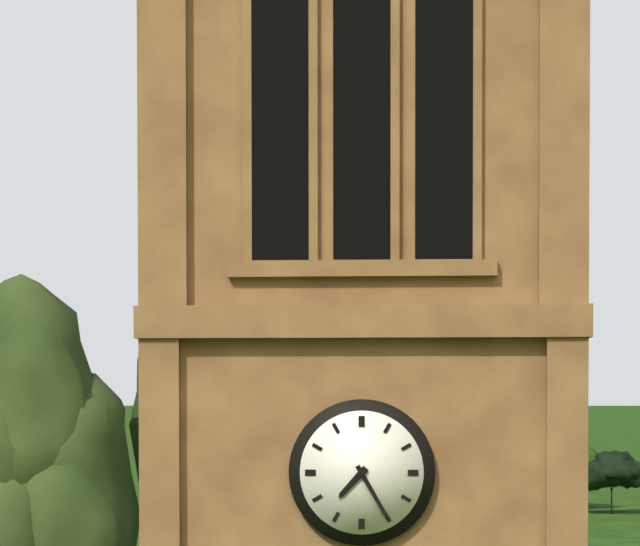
7:25
